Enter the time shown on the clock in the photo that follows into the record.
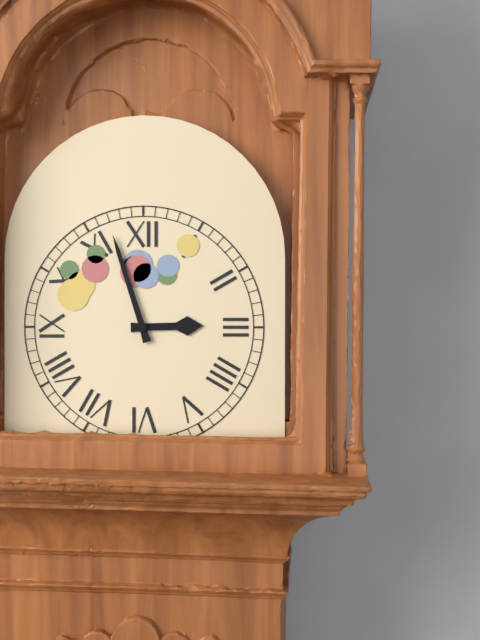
2:57
